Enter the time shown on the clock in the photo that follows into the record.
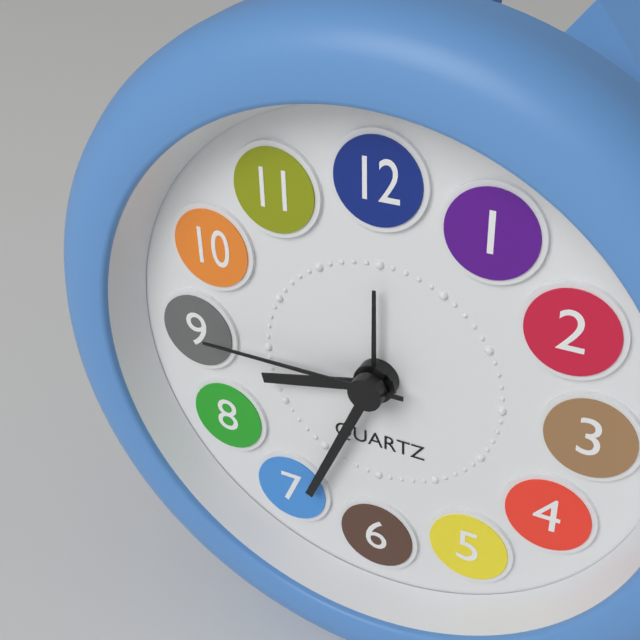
8:34:45
